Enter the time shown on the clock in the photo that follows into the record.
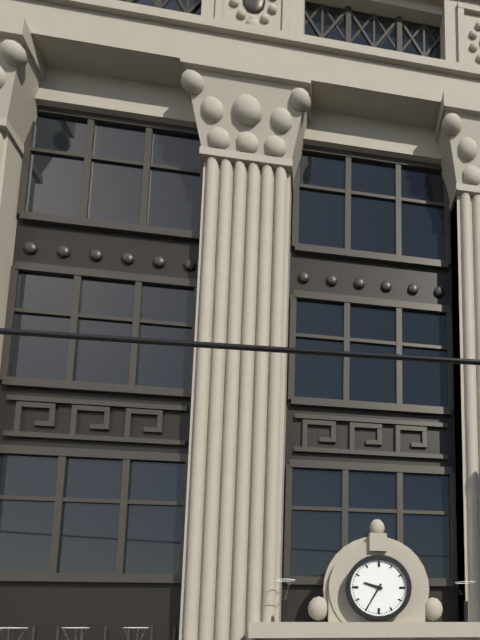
9:35
